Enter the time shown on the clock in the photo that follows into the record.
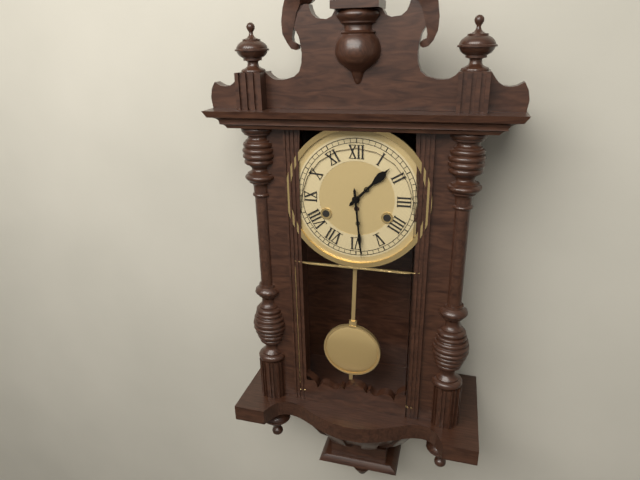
1:29
